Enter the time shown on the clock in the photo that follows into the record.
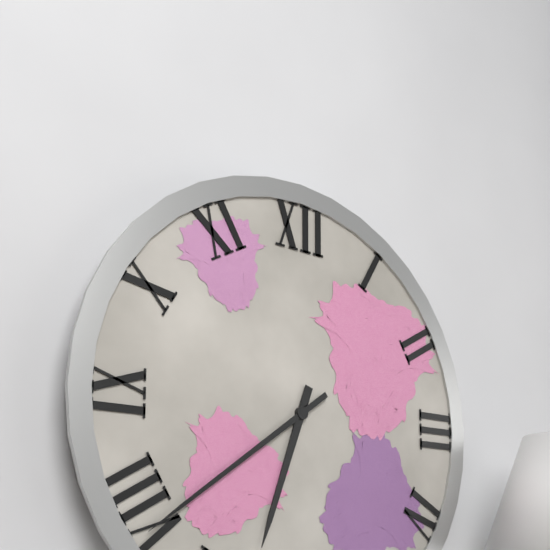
6:39
